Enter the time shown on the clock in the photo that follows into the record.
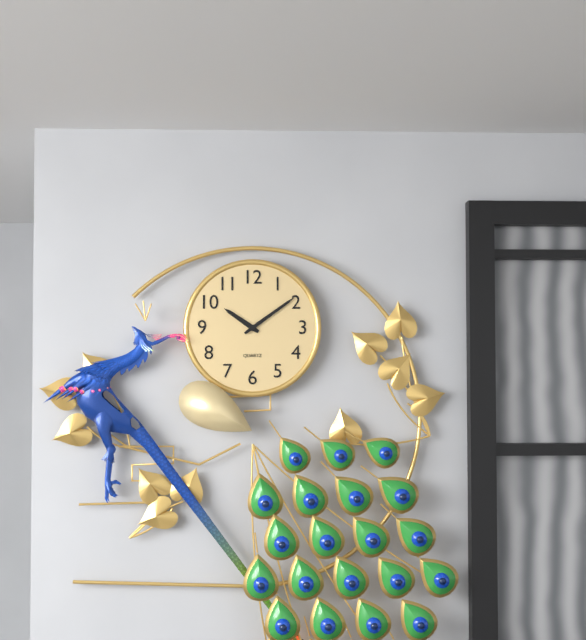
10:09
